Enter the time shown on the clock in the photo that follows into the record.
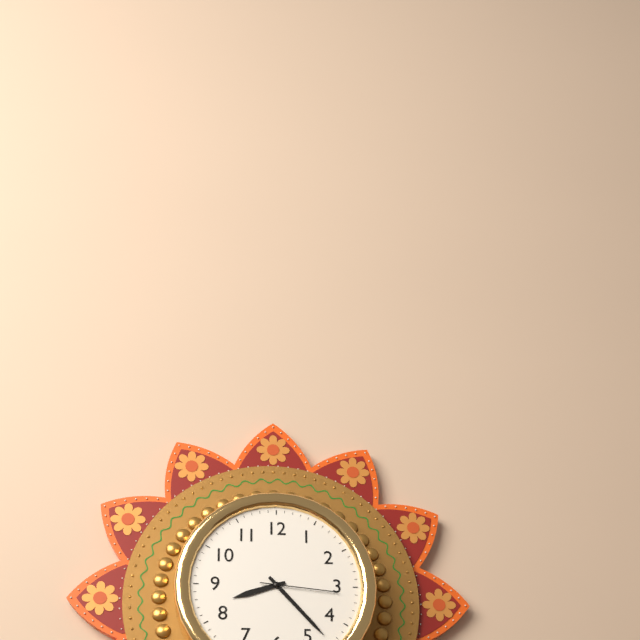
8:23:16
